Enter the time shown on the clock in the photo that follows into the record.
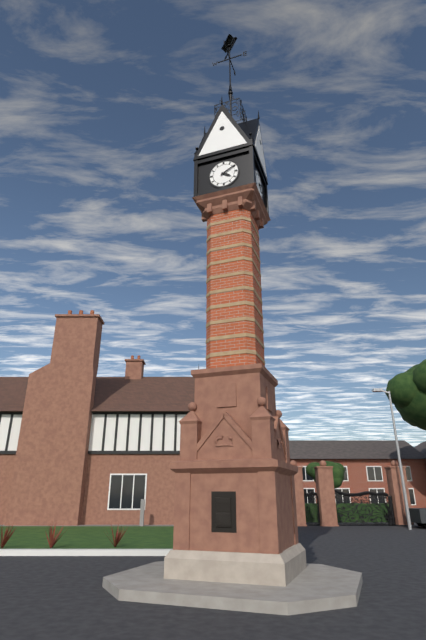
4:10
